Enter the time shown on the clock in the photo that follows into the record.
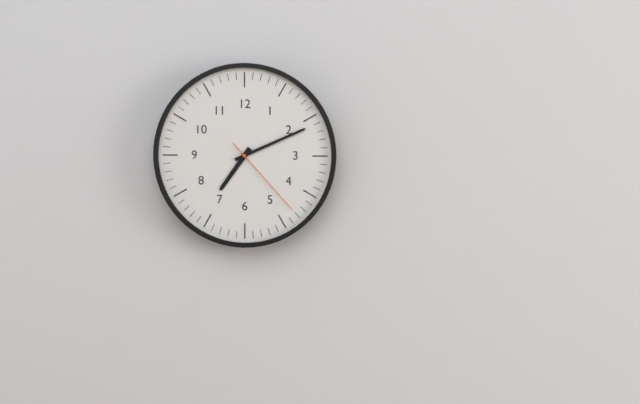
7:11:23
